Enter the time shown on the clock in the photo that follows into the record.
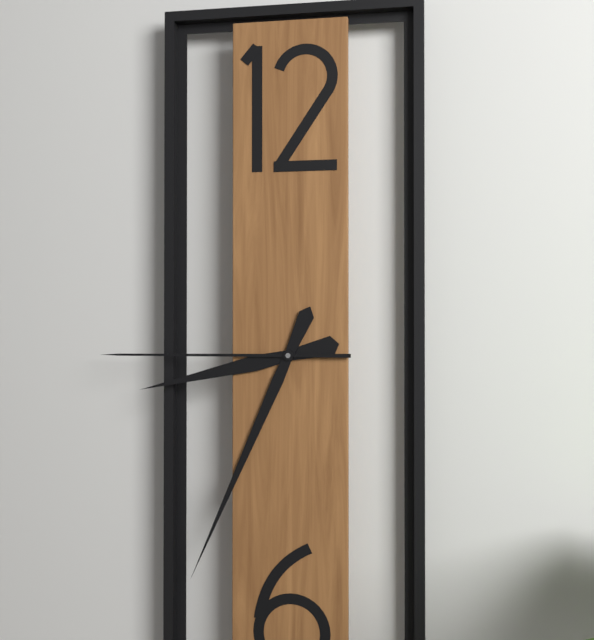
8:34:45
